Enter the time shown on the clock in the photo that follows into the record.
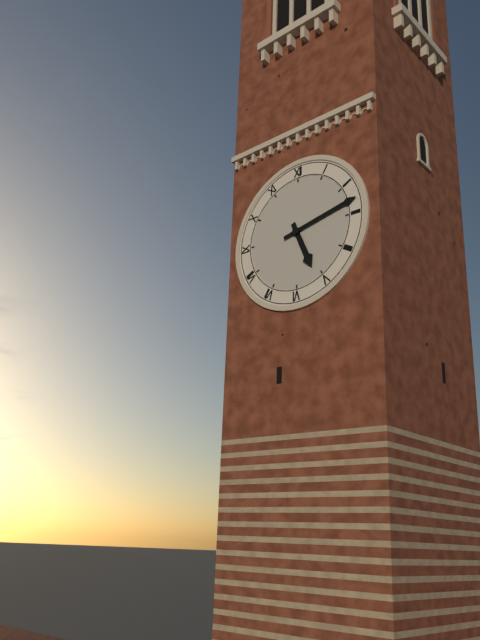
5:13
